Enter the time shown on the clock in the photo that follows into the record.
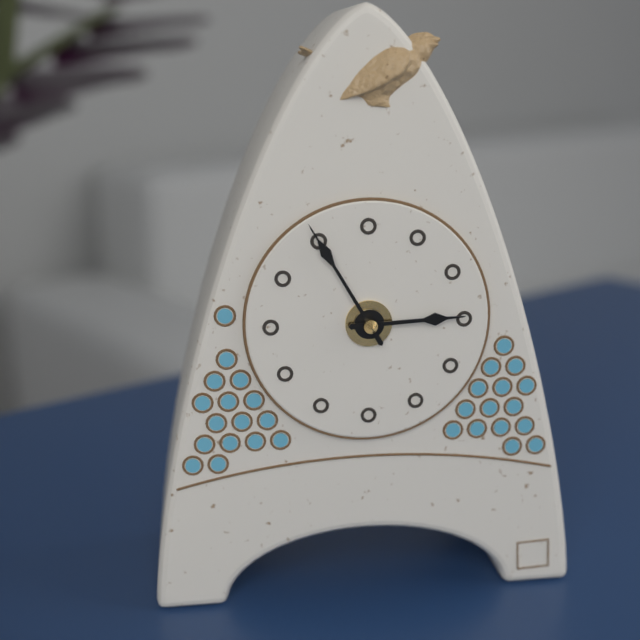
2:55
